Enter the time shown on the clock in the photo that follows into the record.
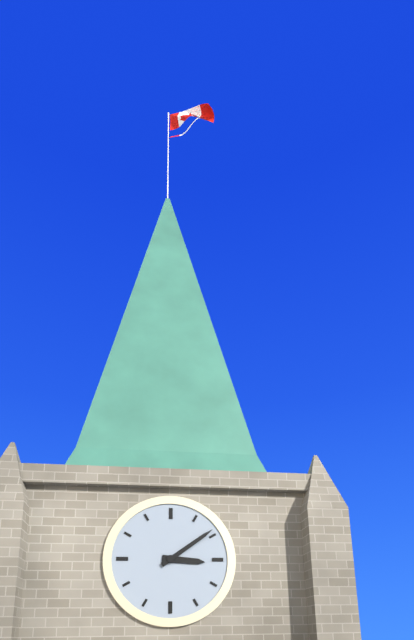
3:09
